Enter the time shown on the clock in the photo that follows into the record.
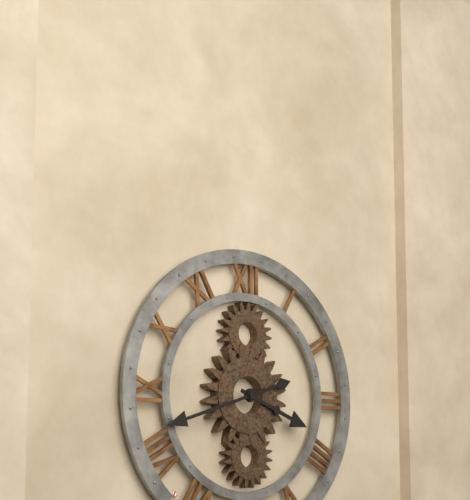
3:42
